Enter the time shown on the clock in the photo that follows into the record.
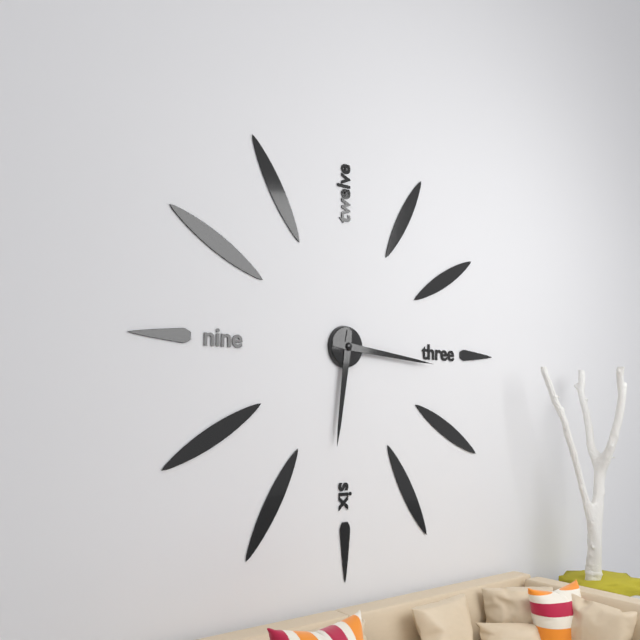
6:16
